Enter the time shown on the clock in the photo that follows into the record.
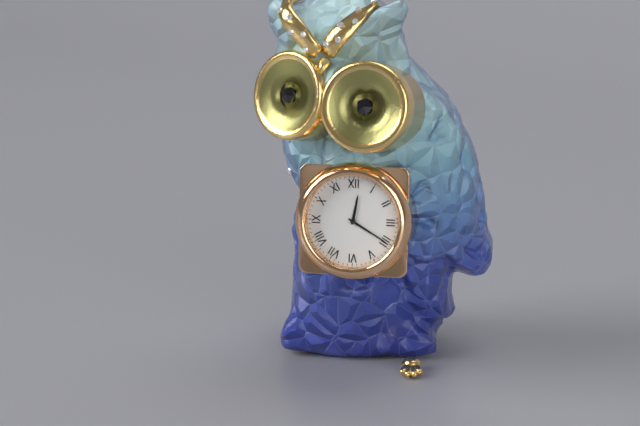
12:20
